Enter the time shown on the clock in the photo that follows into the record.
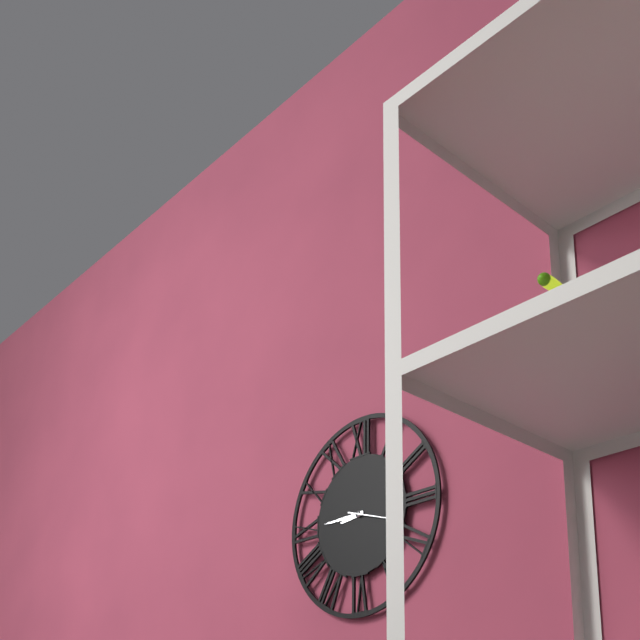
8:45
